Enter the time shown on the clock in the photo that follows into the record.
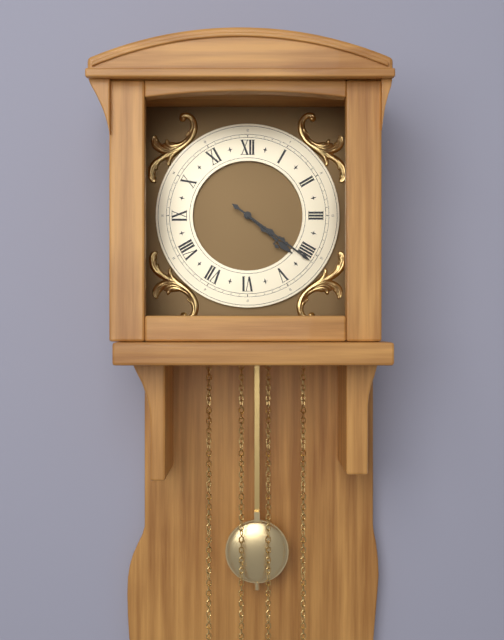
4:21
